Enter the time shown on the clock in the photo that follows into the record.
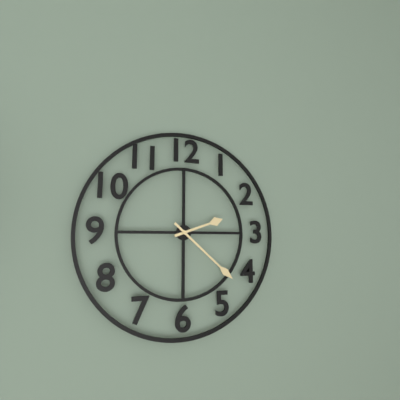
2:22
